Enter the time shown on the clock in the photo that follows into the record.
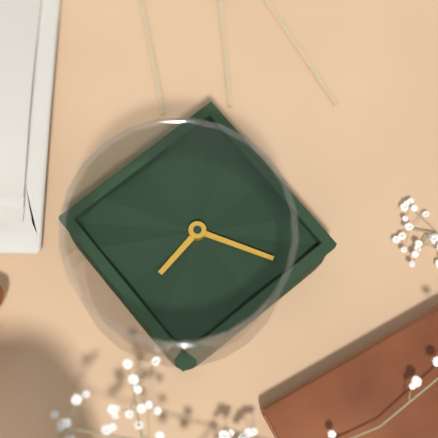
11:40
